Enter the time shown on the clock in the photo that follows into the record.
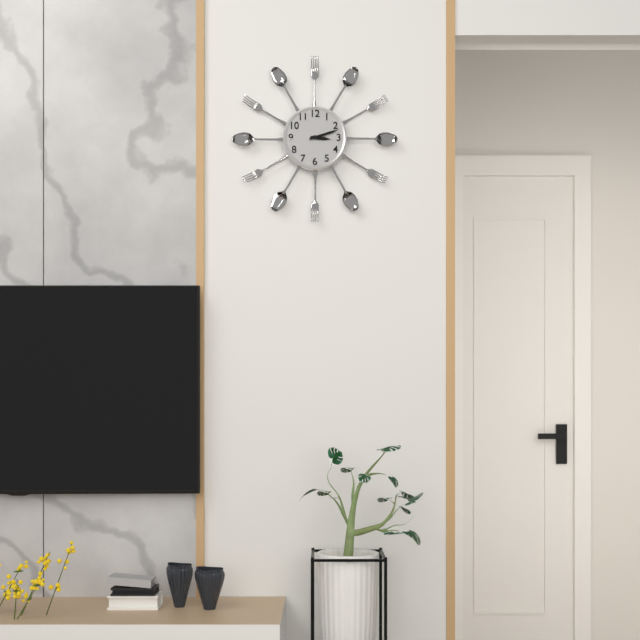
3:12
